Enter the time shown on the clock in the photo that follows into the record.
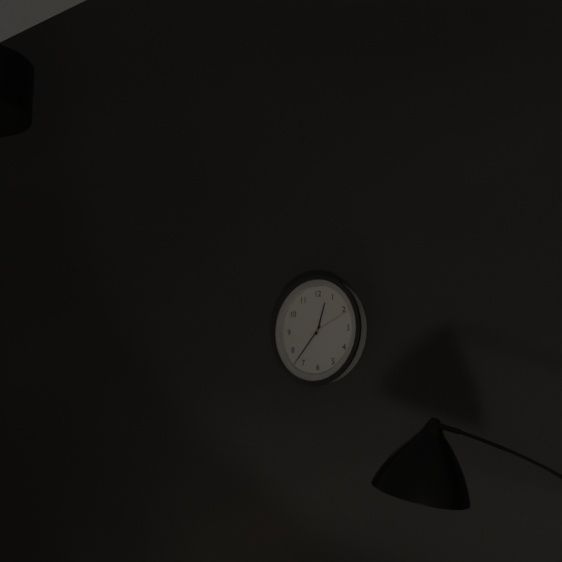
12:37
